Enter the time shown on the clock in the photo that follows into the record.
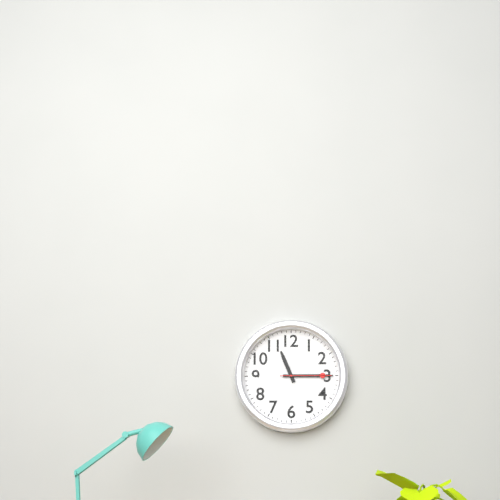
11:15:15
